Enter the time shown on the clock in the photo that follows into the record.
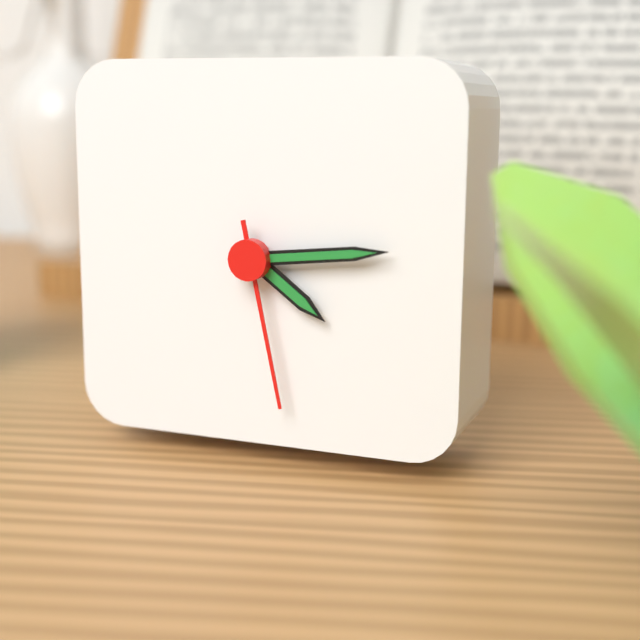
4:14:28
